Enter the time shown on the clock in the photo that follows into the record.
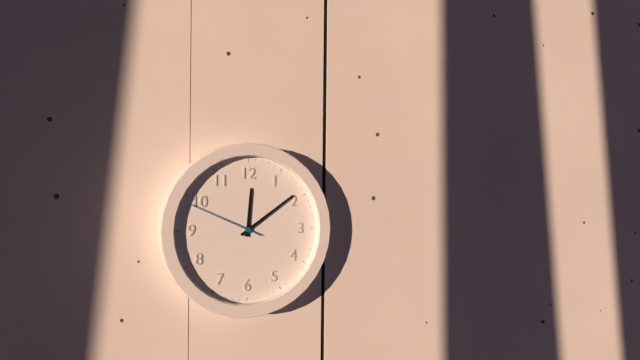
12:09:49
